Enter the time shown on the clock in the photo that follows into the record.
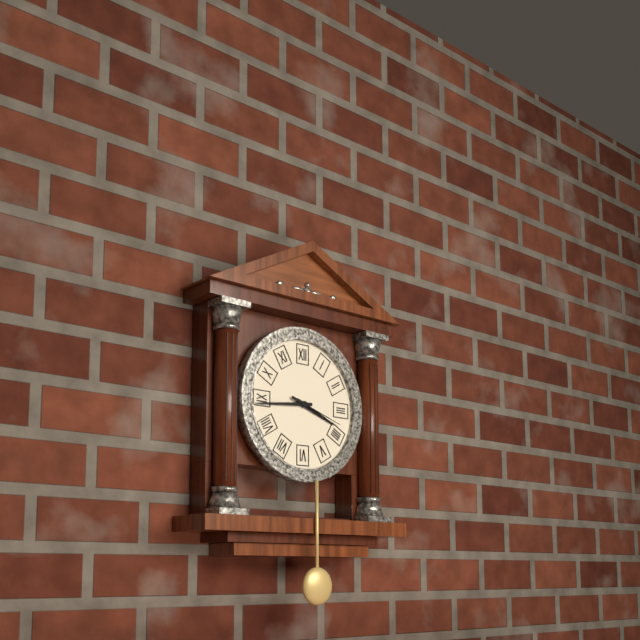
3:44:18
